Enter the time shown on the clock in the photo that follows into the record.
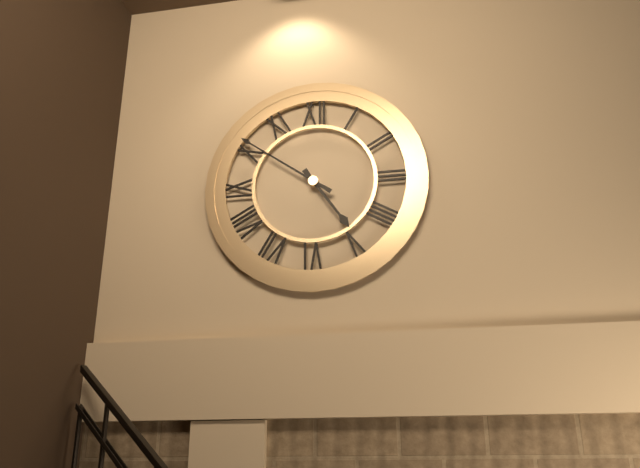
4:51
